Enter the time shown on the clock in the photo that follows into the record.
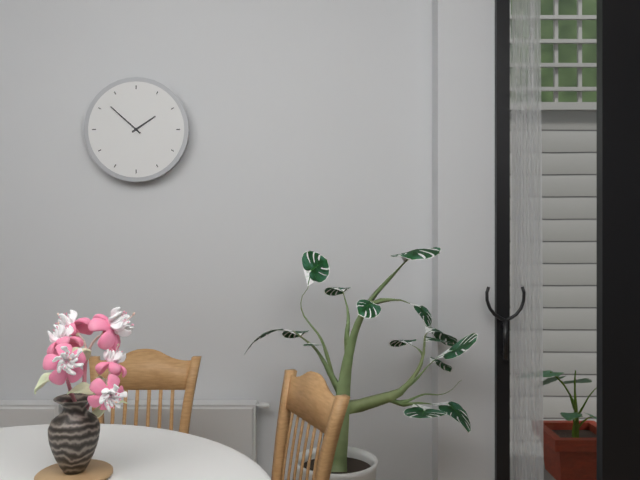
1:52
